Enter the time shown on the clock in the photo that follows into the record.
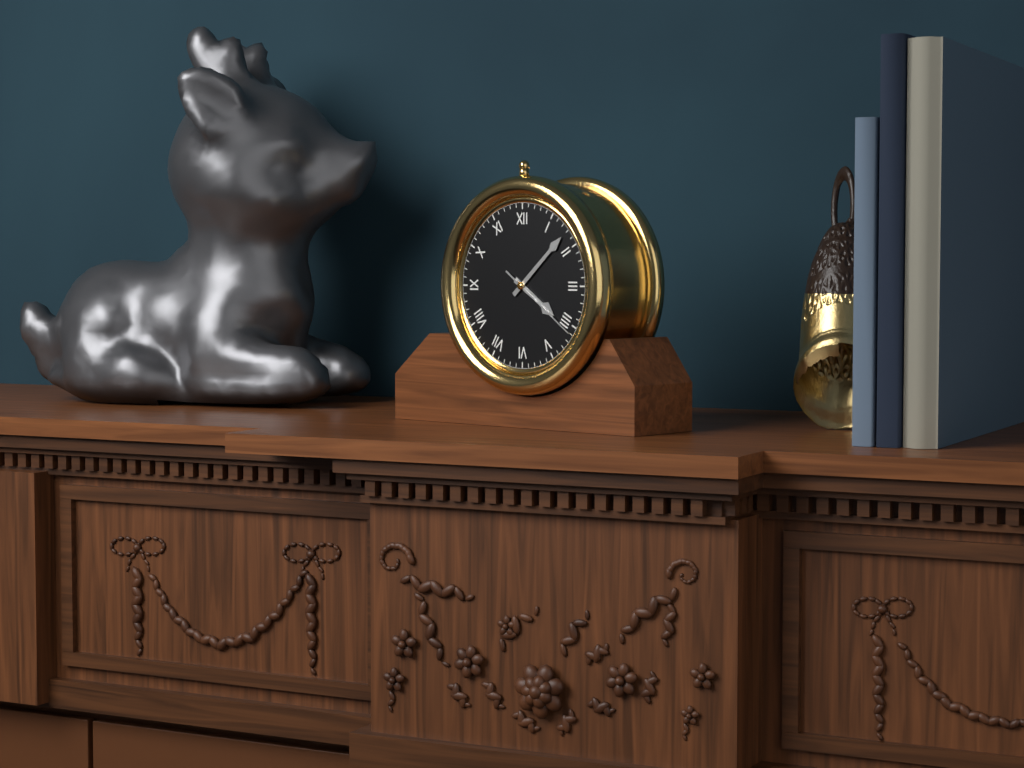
4:08:21
